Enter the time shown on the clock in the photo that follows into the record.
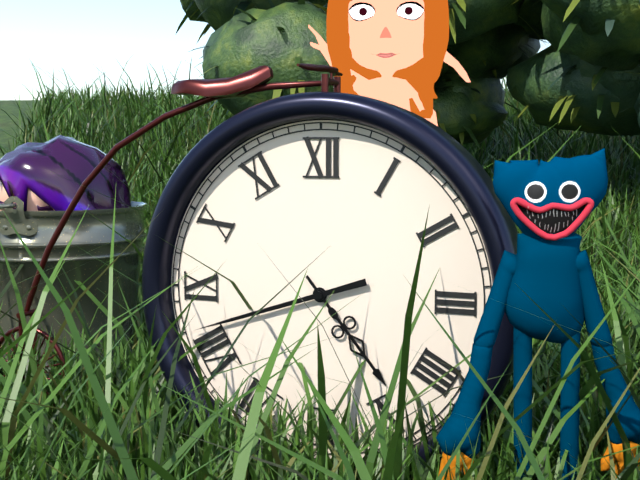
4:42
